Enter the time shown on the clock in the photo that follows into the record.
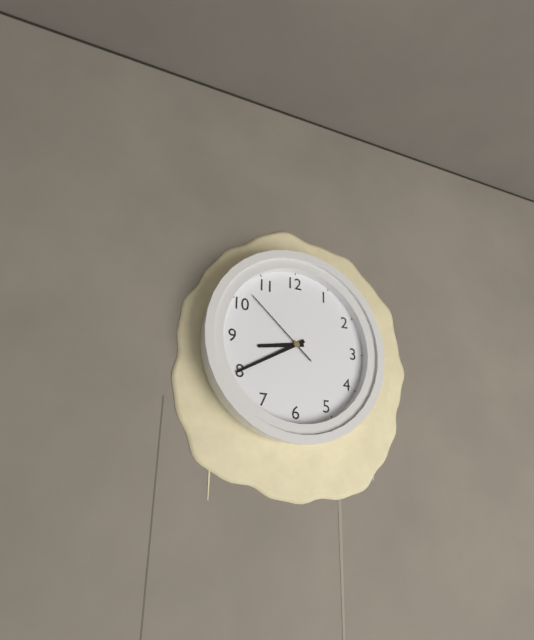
8:40:52
